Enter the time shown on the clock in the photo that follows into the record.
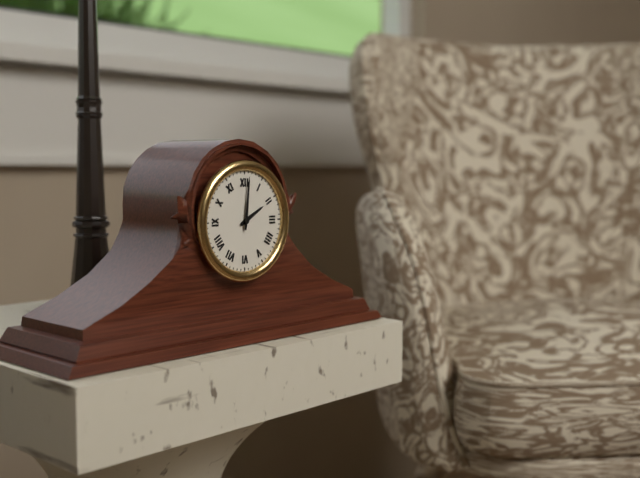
2:01
